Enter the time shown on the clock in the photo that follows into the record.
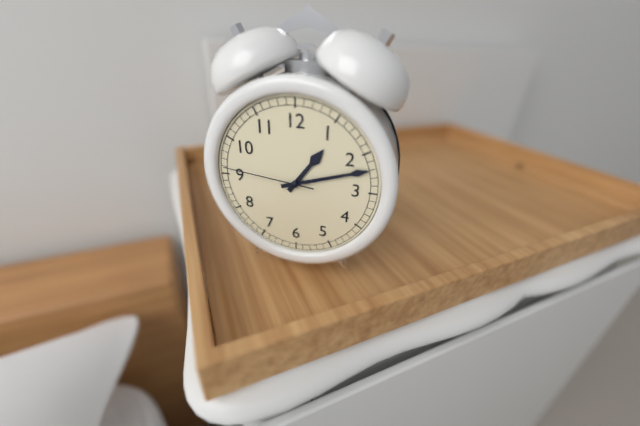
1:12:46
